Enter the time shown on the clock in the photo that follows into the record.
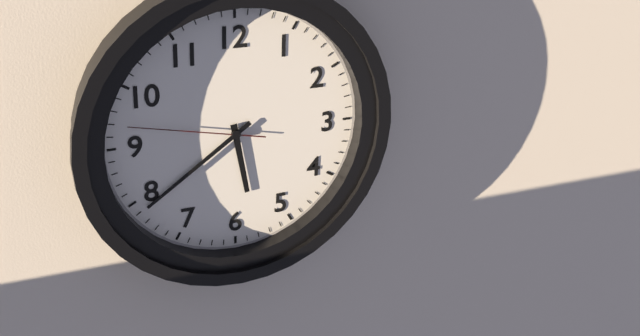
5:39:47
